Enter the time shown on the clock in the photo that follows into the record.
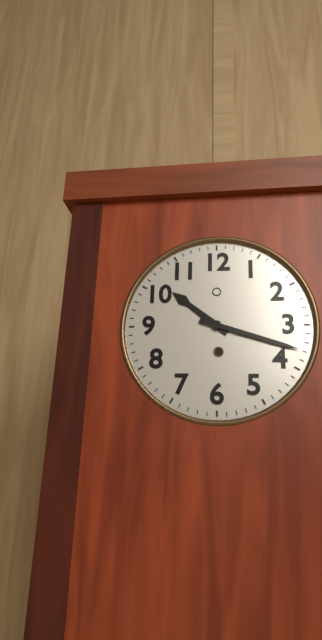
10:18
